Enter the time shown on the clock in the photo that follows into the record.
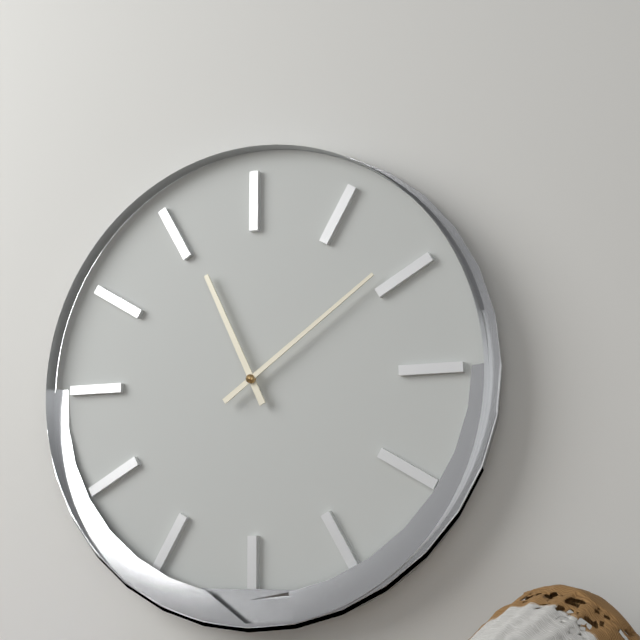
11:09
